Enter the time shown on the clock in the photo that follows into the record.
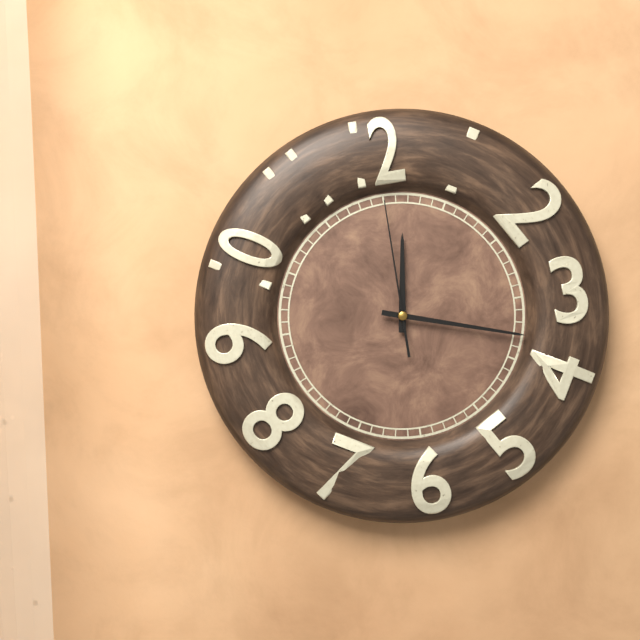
12:18:00
